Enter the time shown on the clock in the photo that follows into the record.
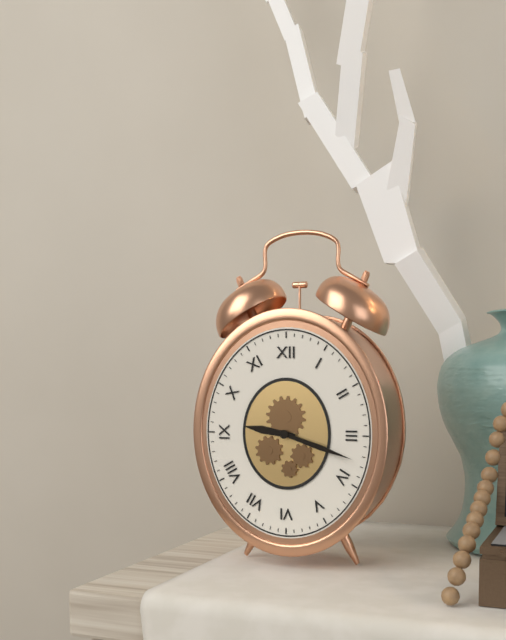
9:18
